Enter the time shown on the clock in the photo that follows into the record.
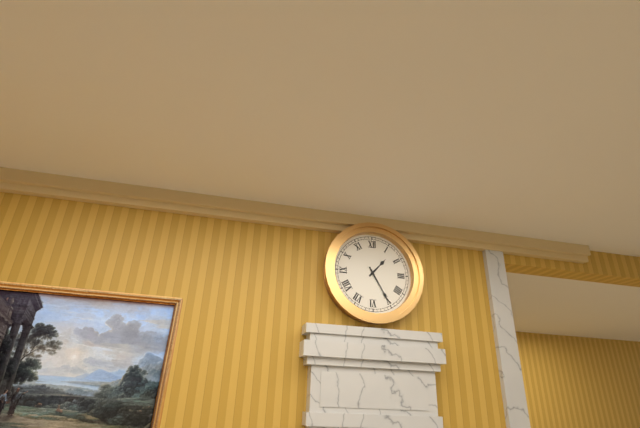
1:25
